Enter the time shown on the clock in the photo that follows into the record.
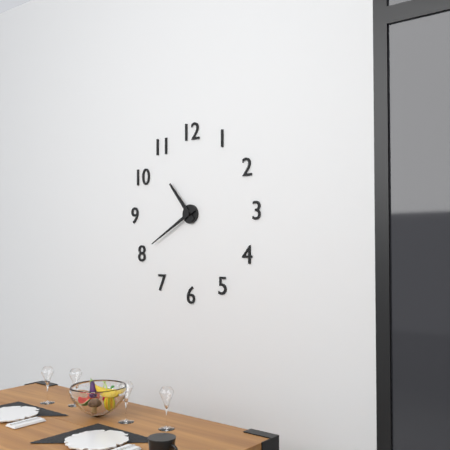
10:40
